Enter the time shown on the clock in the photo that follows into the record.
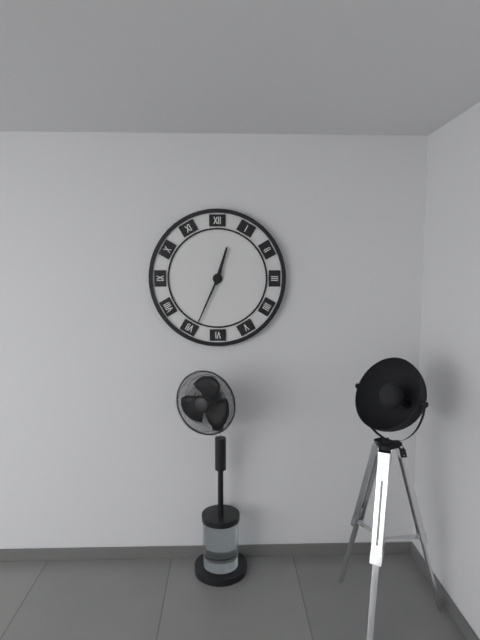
12:34
